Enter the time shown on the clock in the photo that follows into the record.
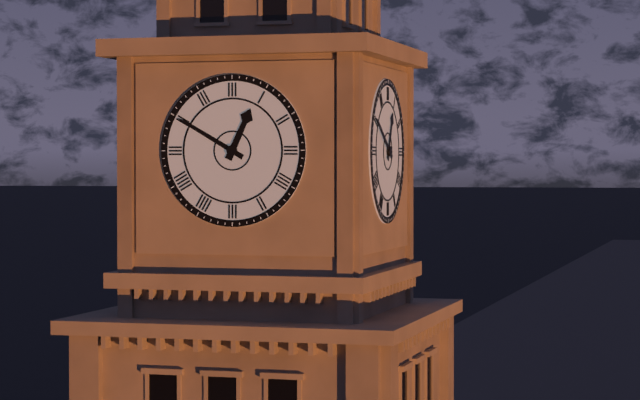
12:50
